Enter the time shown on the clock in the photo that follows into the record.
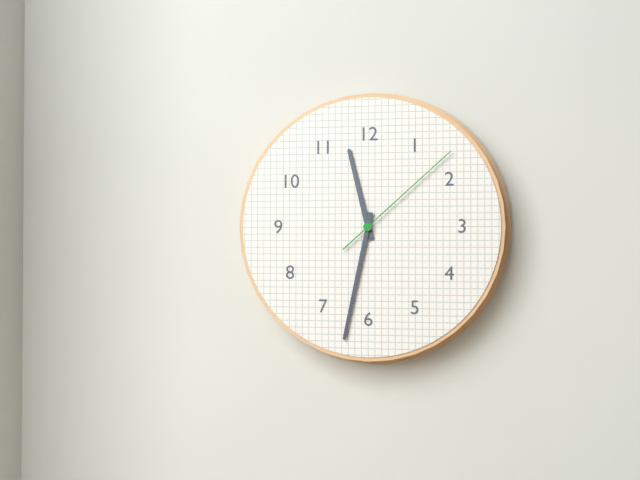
11:32:08
